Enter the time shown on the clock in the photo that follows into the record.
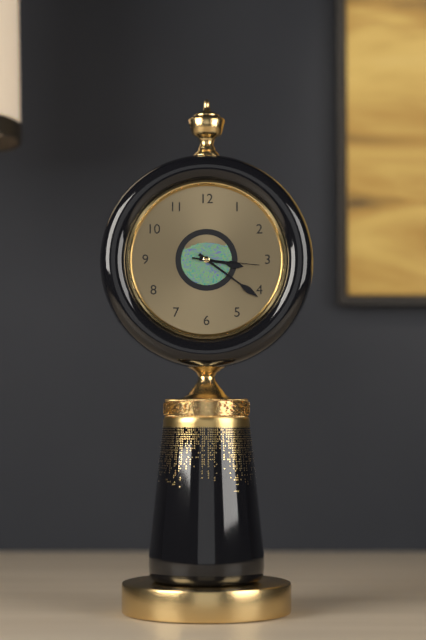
3:21:16
